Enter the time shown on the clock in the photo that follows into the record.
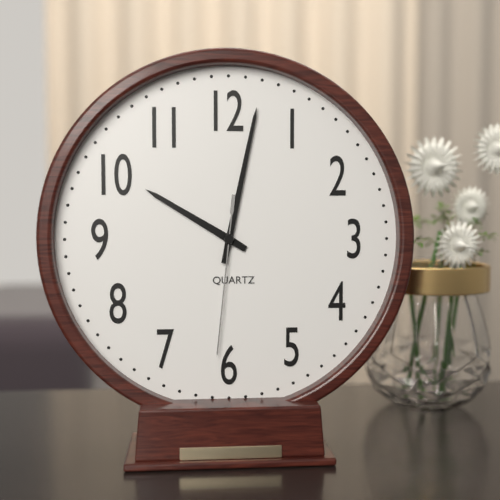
10:02:31
